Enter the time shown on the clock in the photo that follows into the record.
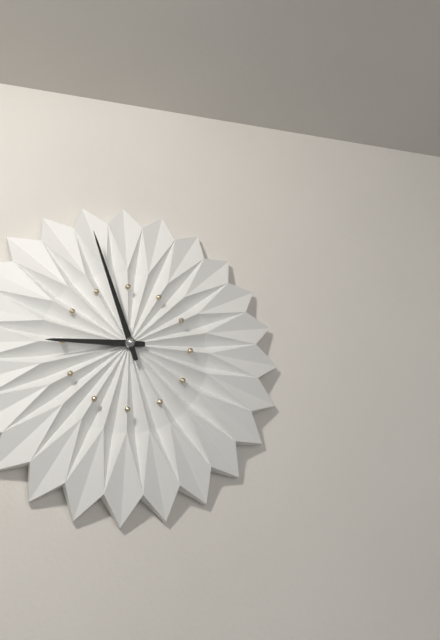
8:57
